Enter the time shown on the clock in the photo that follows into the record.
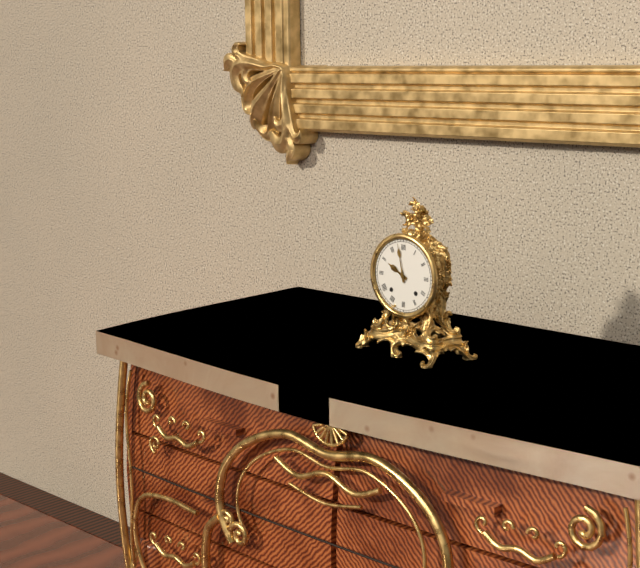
9:58
